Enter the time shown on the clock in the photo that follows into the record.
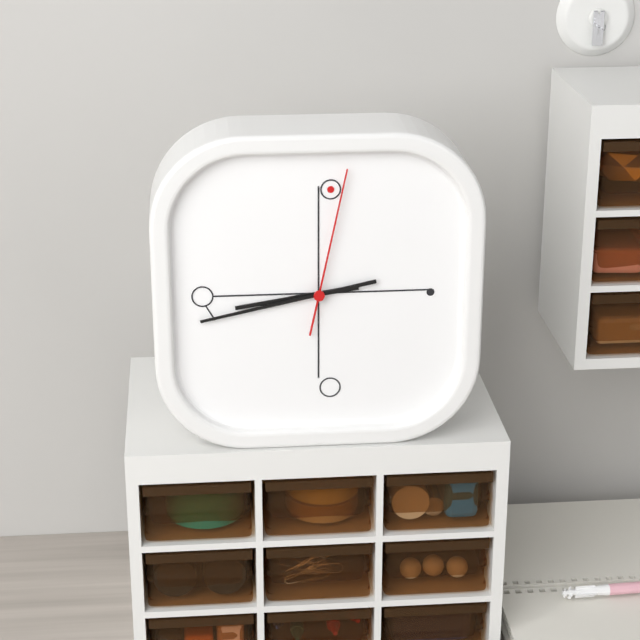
8:43:02
